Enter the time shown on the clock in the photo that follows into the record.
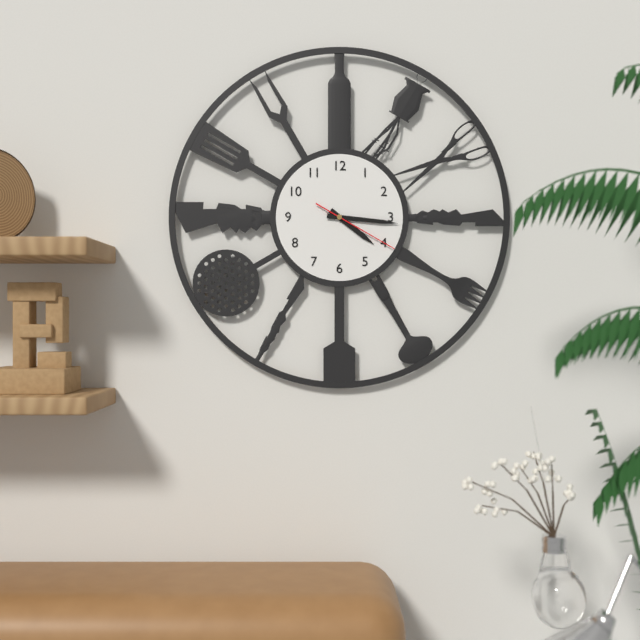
4:16:20
